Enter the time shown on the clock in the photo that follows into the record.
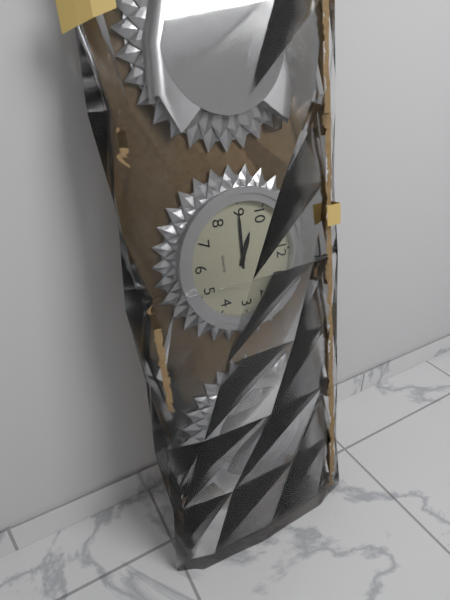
9:45
